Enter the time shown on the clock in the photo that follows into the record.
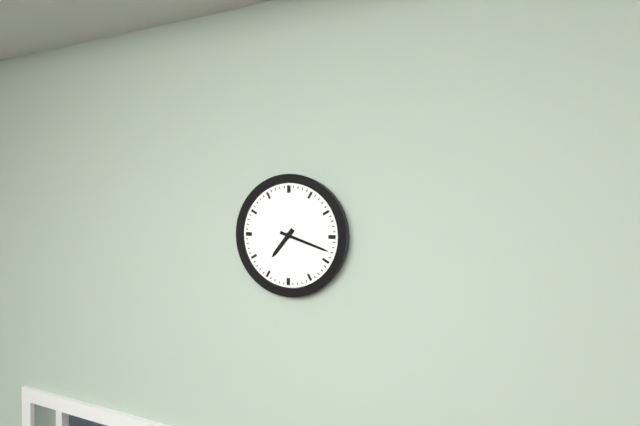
7:18
